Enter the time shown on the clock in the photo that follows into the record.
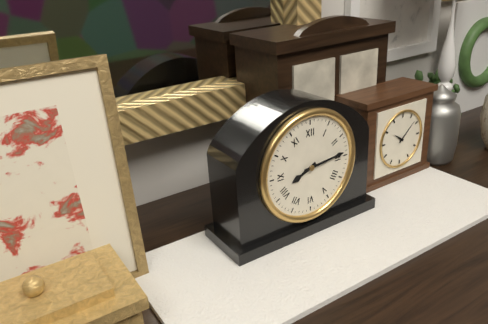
8:14
